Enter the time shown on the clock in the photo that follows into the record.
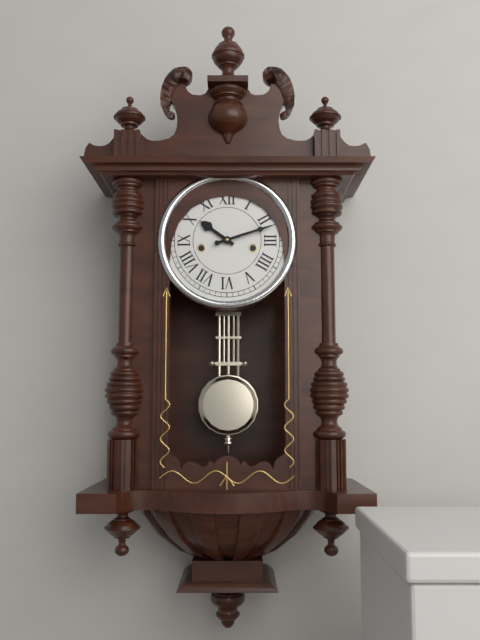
10:12
